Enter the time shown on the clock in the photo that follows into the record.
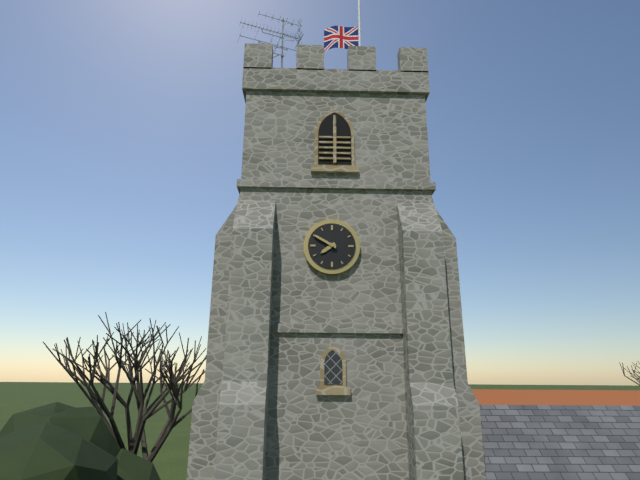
7:50
